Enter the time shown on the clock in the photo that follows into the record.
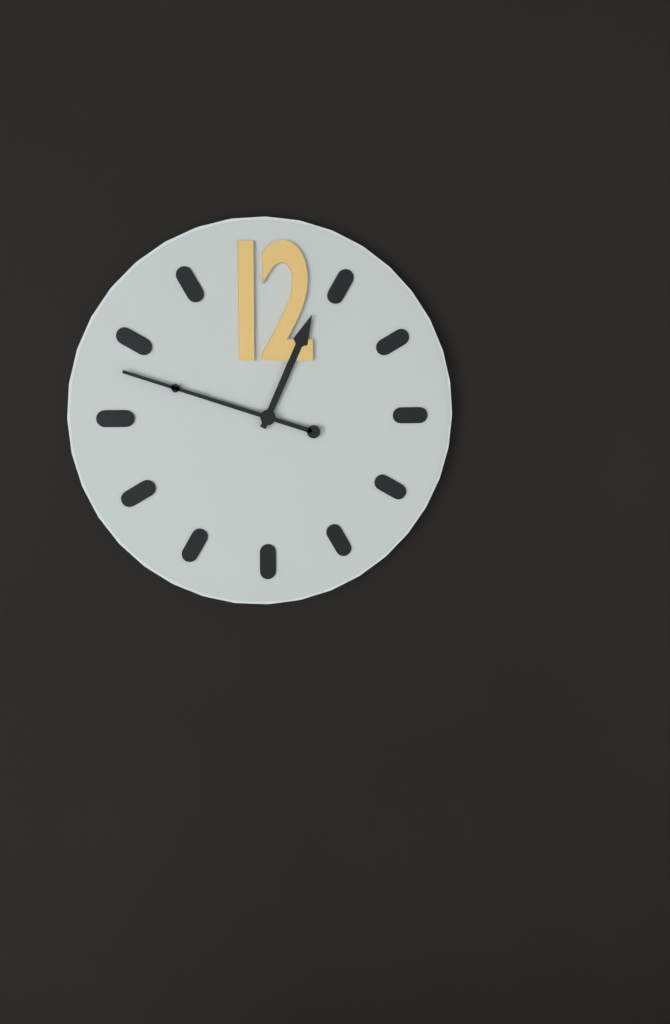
12:48
